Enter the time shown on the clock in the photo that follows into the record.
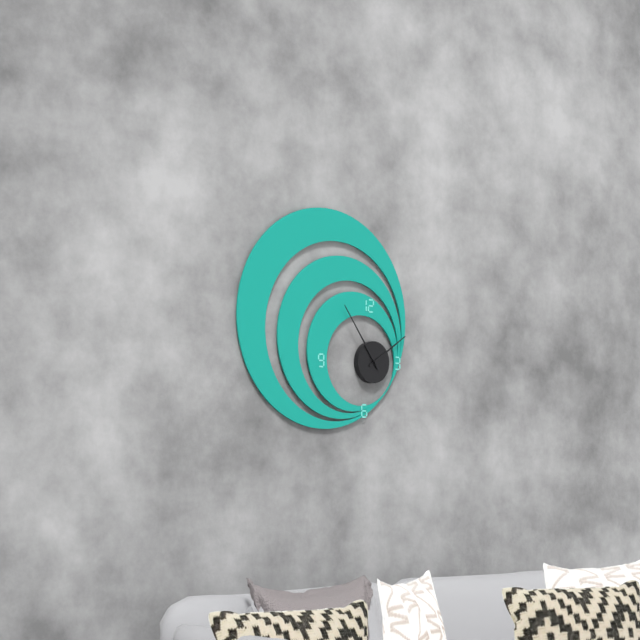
1:54
